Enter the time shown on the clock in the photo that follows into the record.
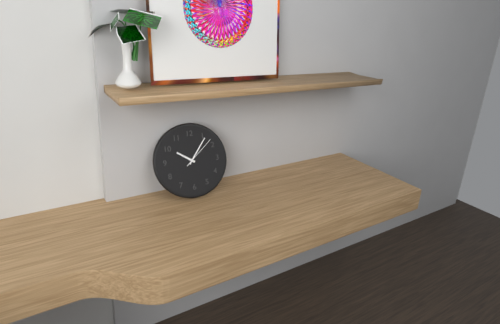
10:06
